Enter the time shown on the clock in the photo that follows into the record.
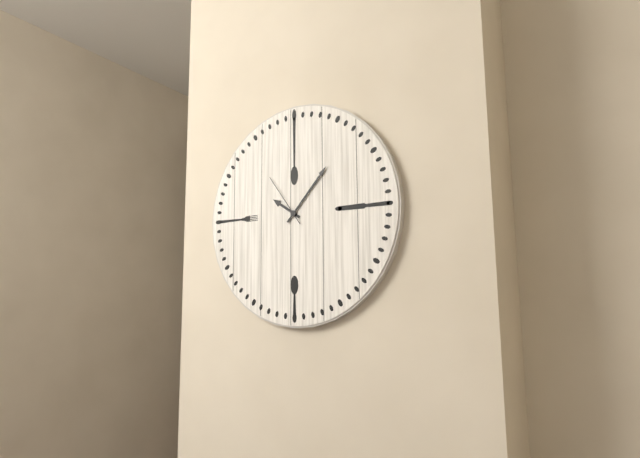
10:07:54
